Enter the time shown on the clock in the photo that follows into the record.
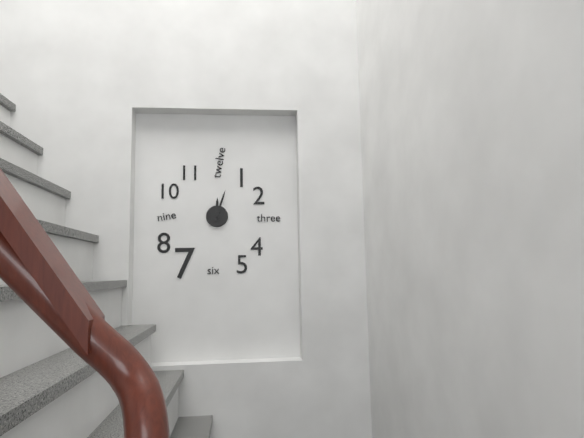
12:03
